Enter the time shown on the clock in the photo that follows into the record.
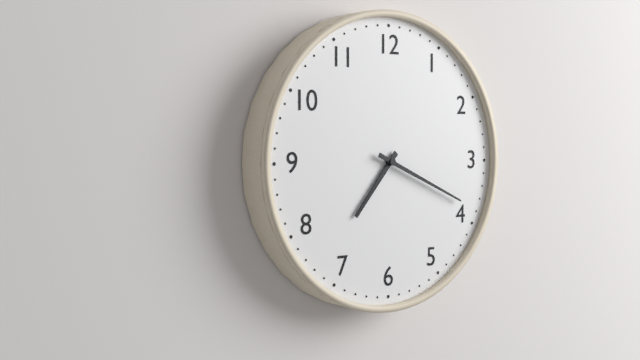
7:19
